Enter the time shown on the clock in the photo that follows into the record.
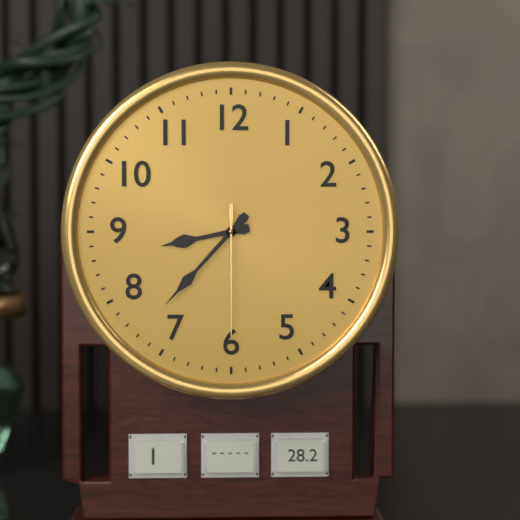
8:37:30
